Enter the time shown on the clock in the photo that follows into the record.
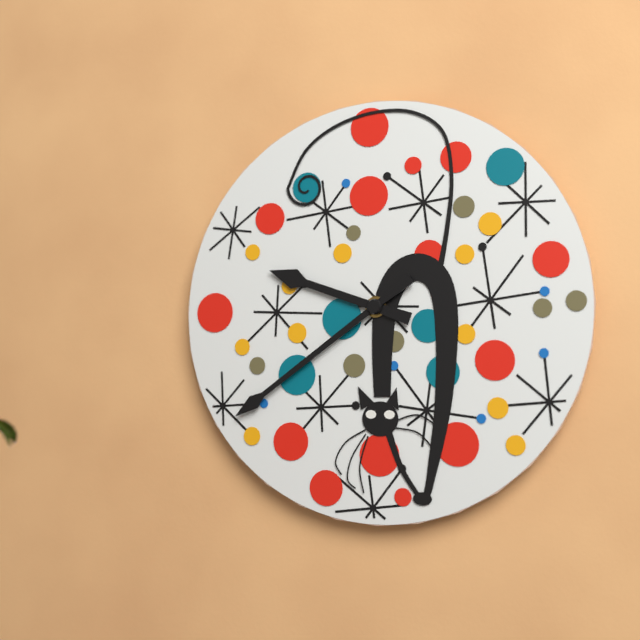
9:39
